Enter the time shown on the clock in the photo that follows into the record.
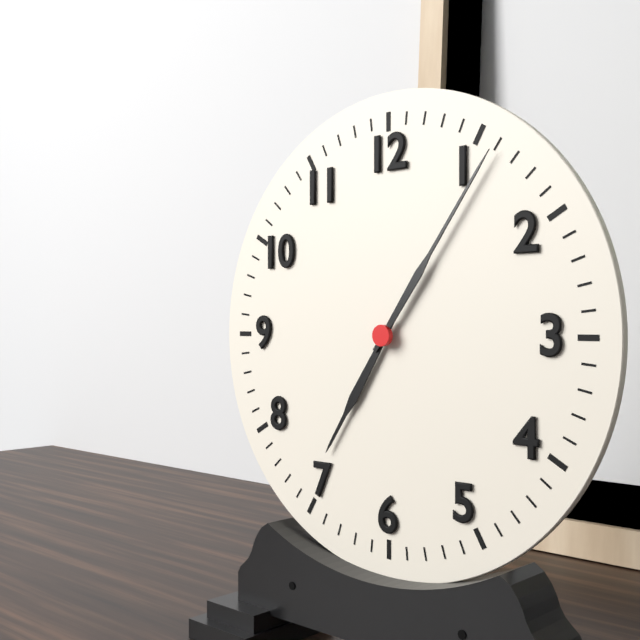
7:06
